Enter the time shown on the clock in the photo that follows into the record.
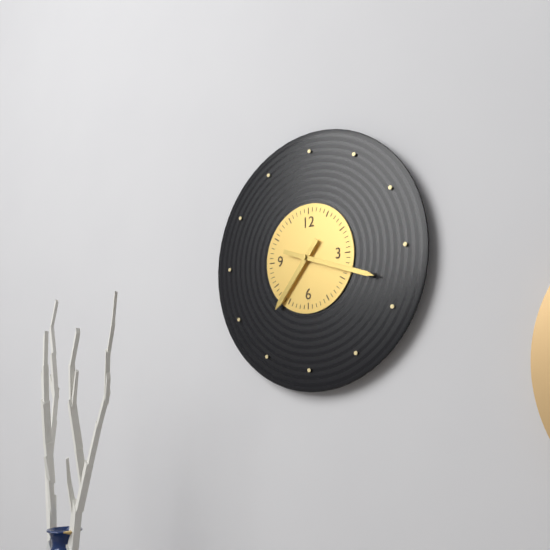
7:18
